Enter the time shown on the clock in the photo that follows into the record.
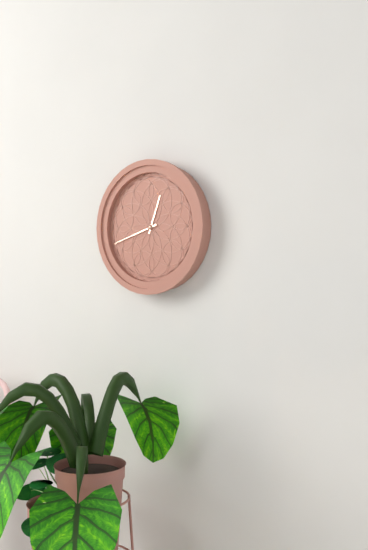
12:42
